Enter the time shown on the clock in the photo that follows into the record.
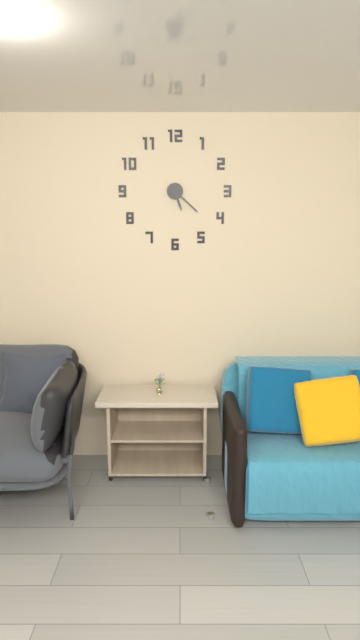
5:22
